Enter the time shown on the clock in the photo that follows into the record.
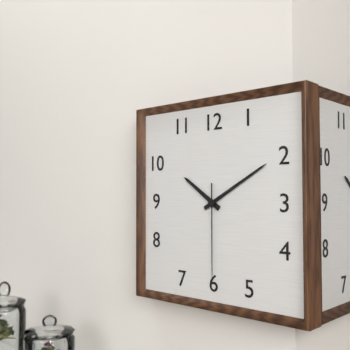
10:10:30
